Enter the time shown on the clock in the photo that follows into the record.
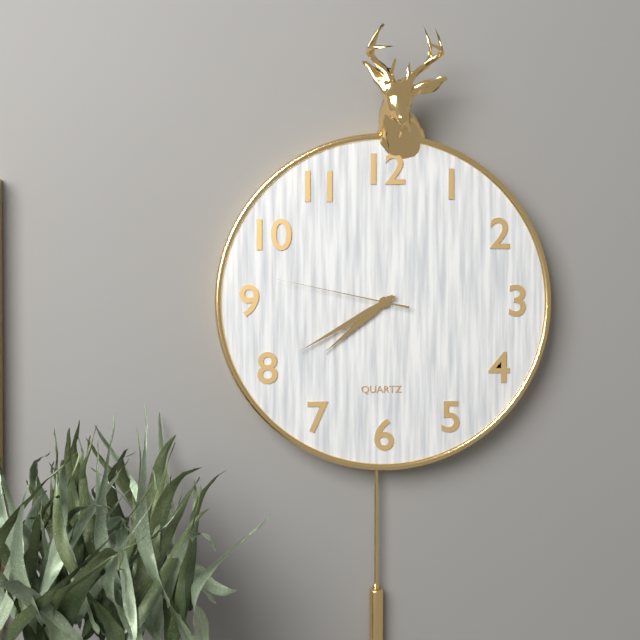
7:40:47
